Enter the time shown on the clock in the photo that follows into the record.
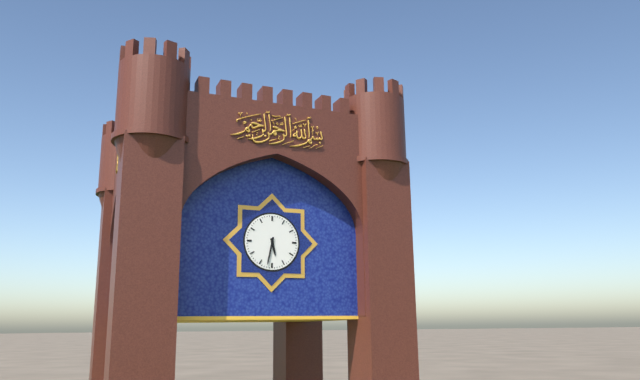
5:32
